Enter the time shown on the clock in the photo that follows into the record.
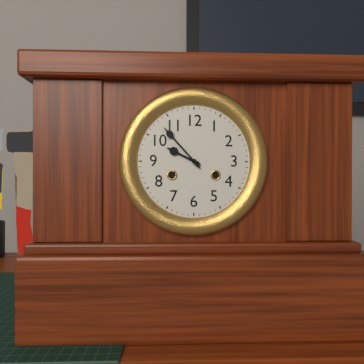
9:53
